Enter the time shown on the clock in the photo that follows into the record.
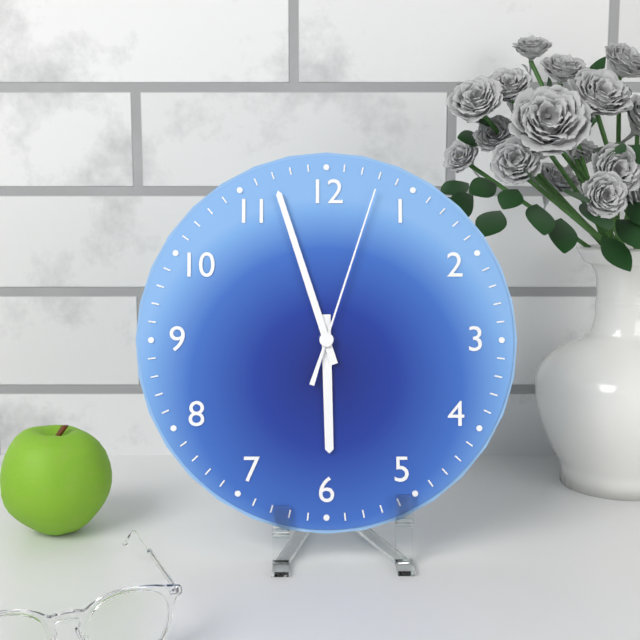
5:57:03
